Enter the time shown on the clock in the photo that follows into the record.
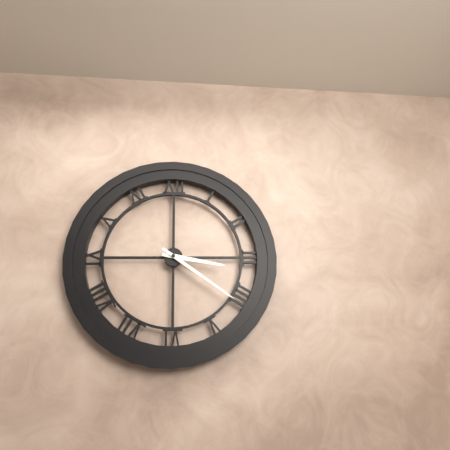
3:21
